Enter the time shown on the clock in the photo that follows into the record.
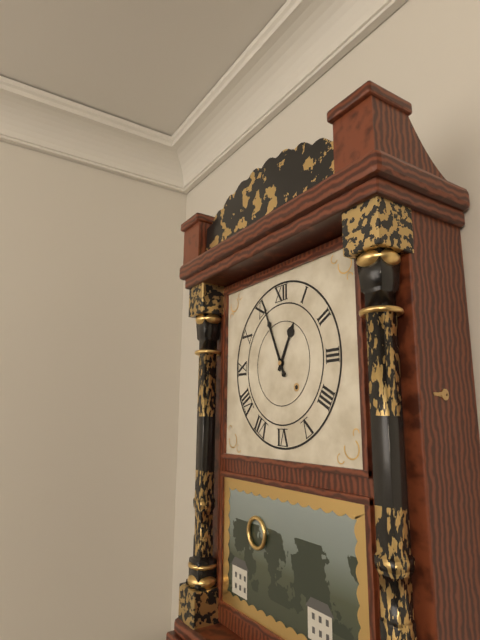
12:56
